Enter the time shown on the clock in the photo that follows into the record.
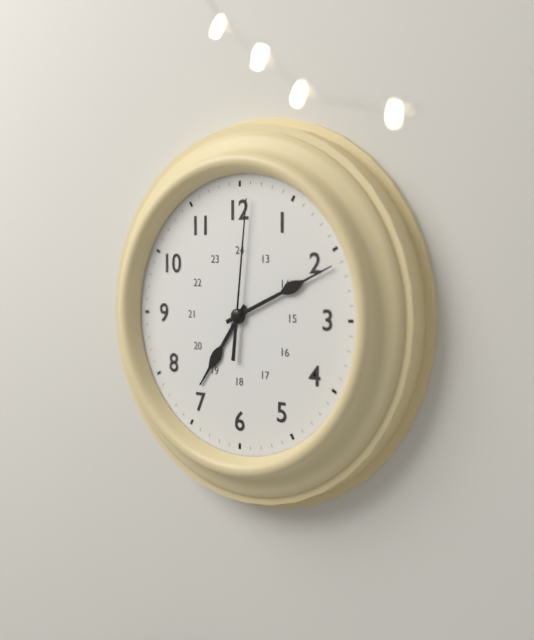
7:11:01
